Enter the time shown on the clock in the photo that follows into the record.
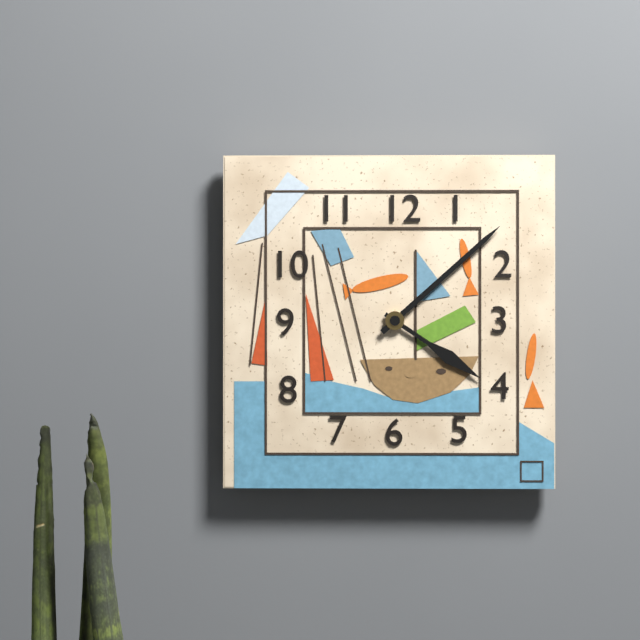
4:08
